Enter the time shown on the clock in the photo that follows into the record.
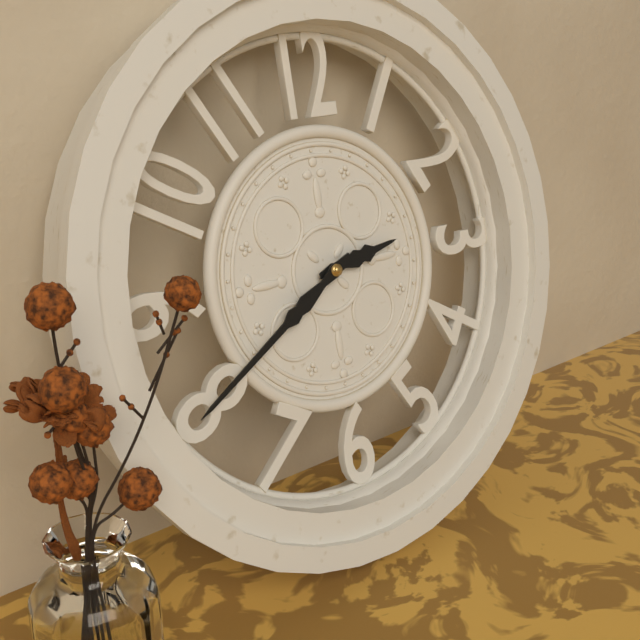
2:40
